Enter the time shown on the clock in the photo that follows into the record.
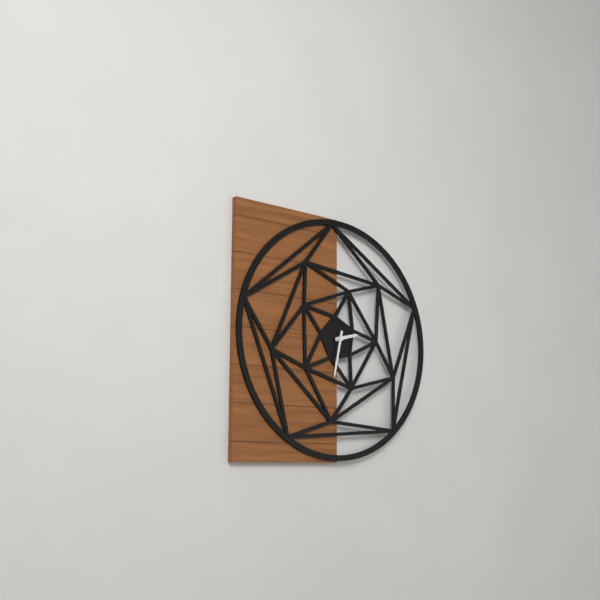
2:32
